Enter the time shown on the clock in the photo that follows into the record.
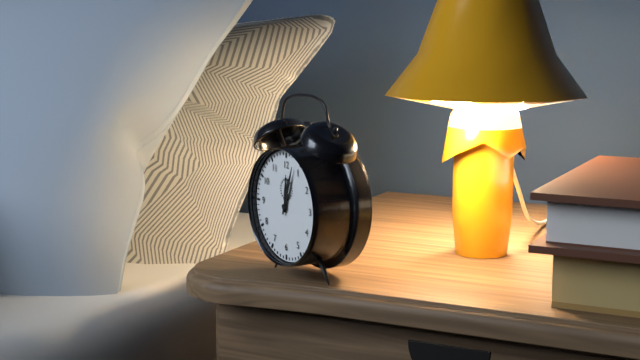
12:03
